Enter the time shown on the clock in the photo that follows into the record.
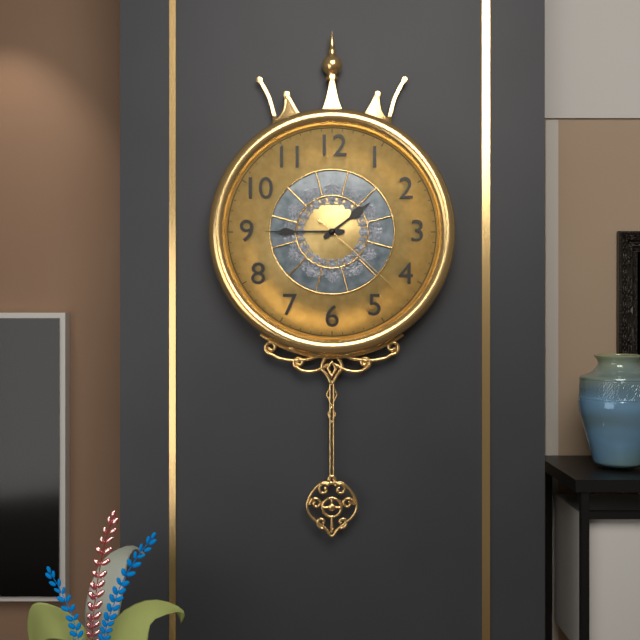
1:45:22
